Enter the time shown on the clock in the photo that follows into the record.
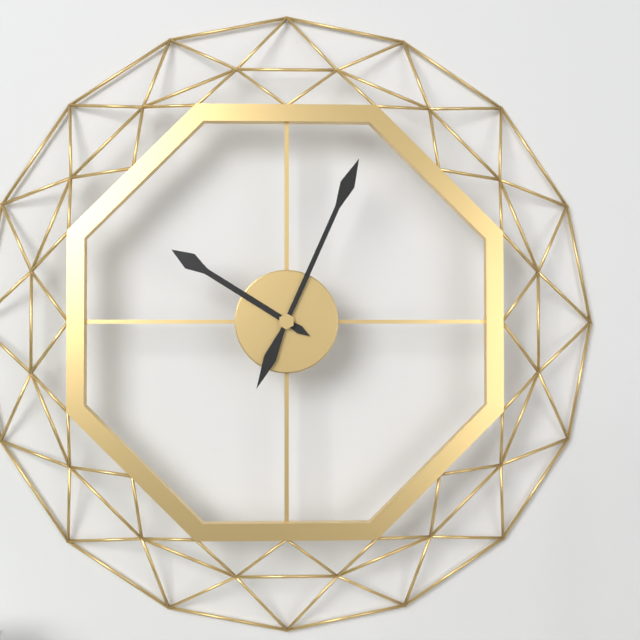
10:04
